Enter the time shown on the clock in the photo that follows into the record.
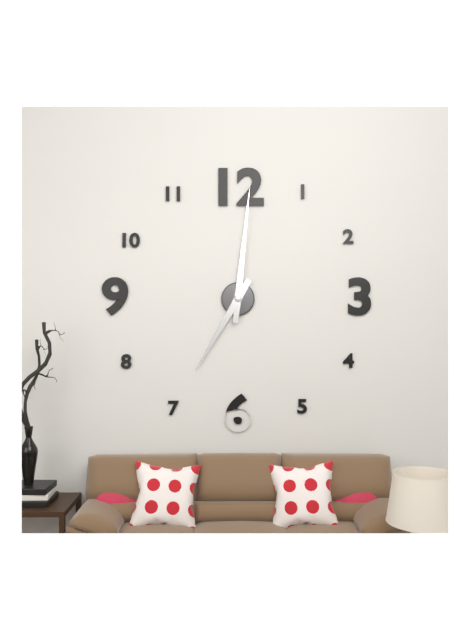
7:01
